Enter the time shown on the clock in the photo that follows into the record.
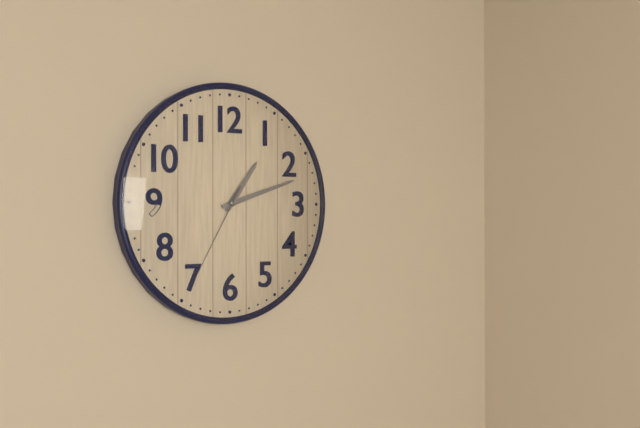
1:12:35
